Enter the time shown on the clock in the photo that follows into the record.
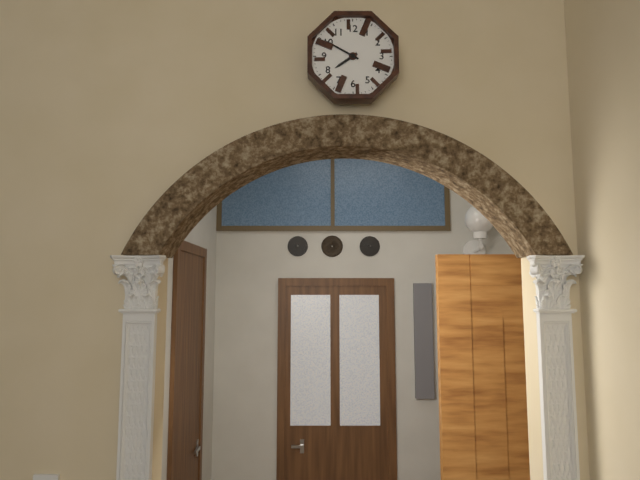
7:50
